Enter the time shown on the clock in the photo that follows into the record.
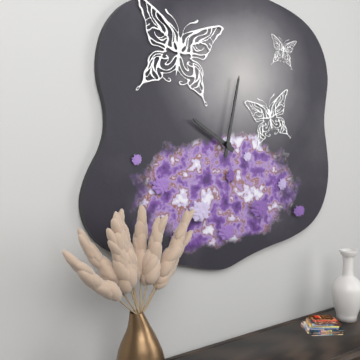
10:02
